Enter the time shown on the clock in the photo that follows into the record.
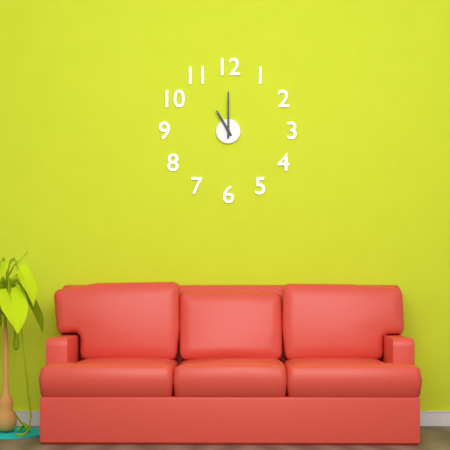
11:00
